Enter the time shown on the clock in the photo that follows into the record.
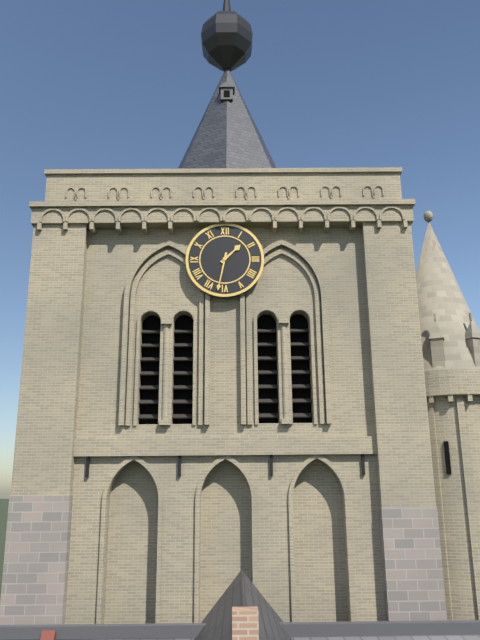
1:32
